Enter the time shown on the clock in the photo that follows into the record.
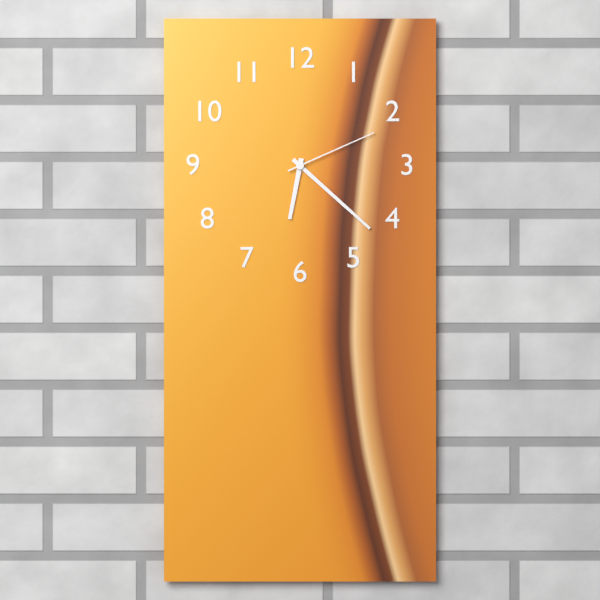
6:22:11
